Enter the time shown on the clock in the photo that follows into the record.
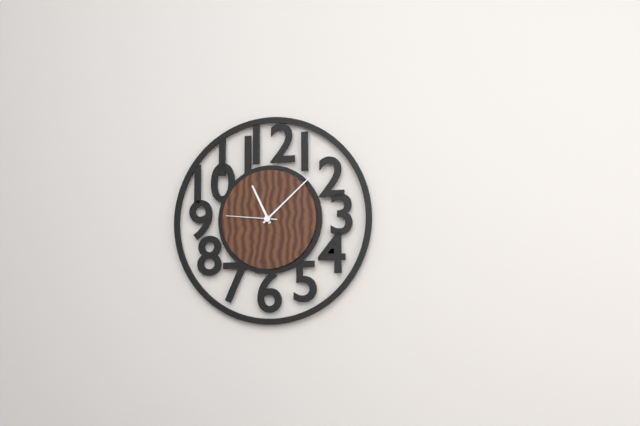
11:08:46
